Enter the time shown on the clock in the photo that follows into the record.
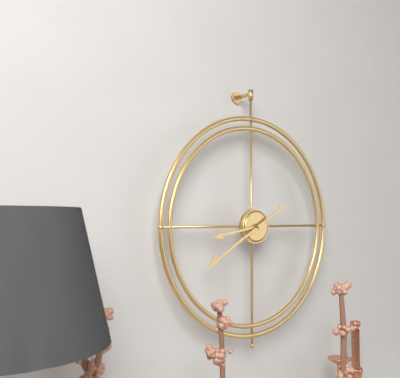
8:40
